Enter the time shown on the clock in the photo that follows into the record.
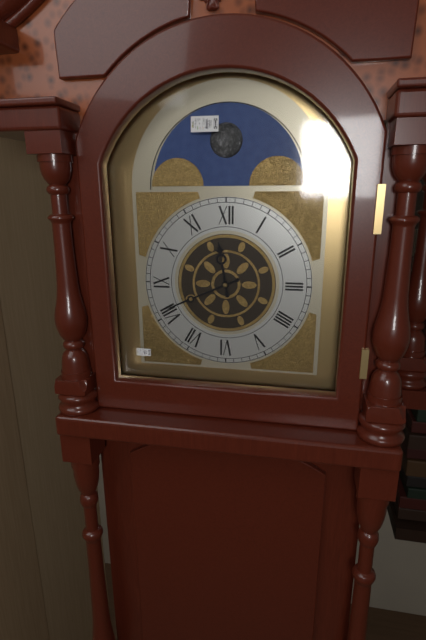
11:41
